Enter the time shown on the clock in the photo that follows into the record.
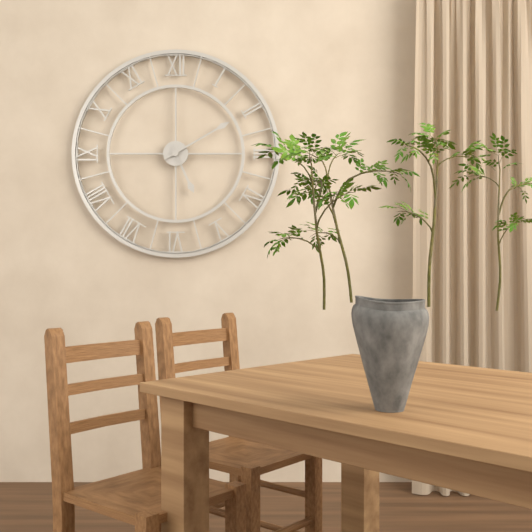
5:10
